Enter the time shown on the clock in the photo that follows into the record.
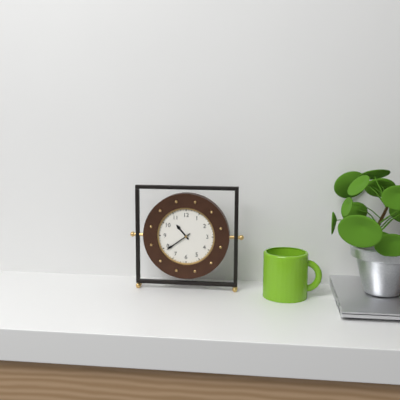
10:39
